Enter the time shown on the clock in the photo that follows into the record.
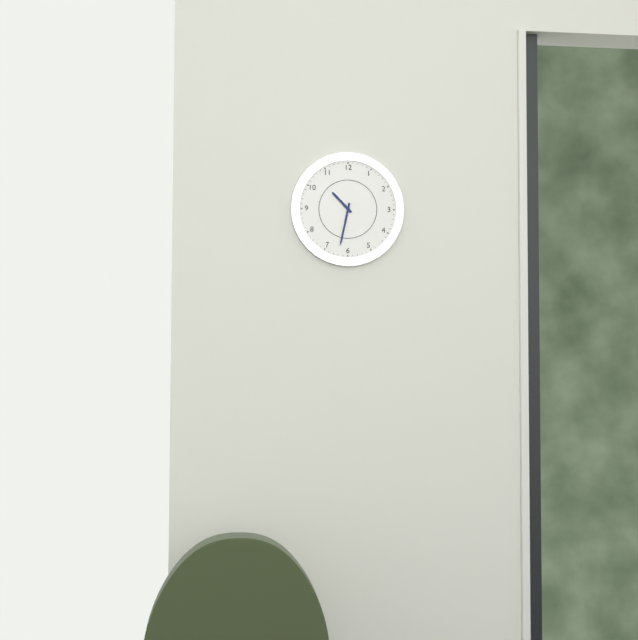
10:32
